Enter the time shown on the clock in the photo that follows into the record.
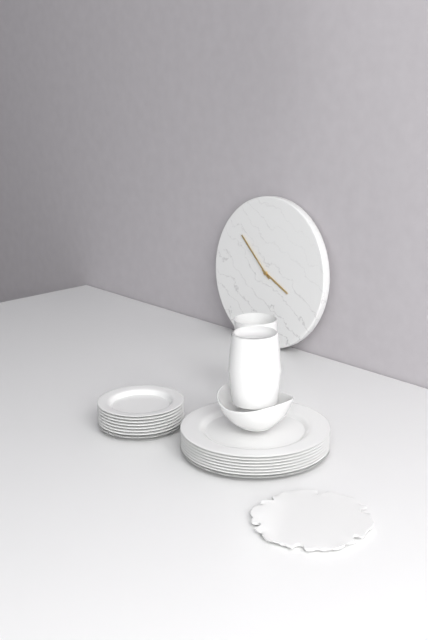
3:52
